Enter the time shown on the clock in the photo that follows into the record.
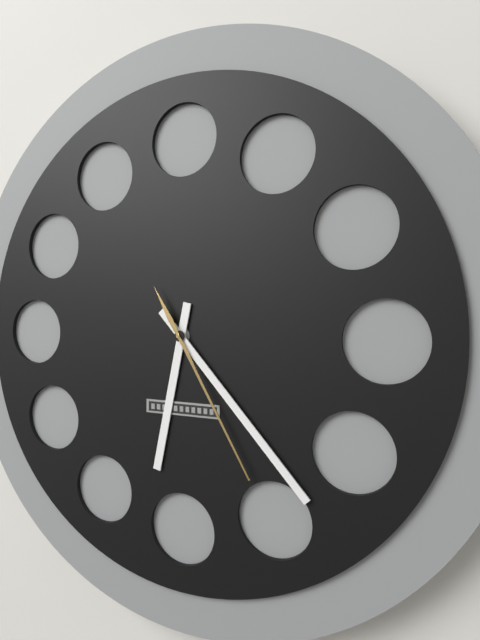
6:23:25
